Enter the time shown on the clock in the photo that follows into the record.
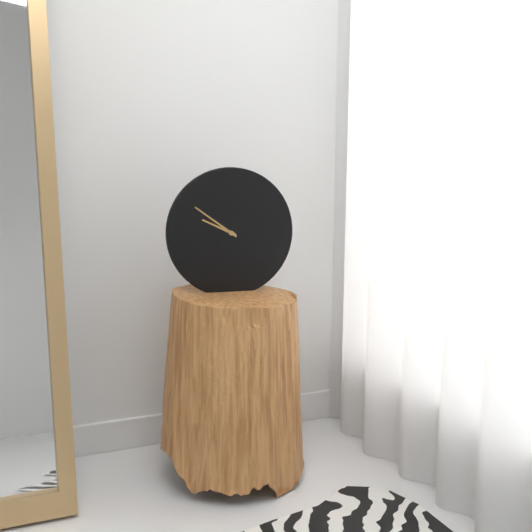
9:51
